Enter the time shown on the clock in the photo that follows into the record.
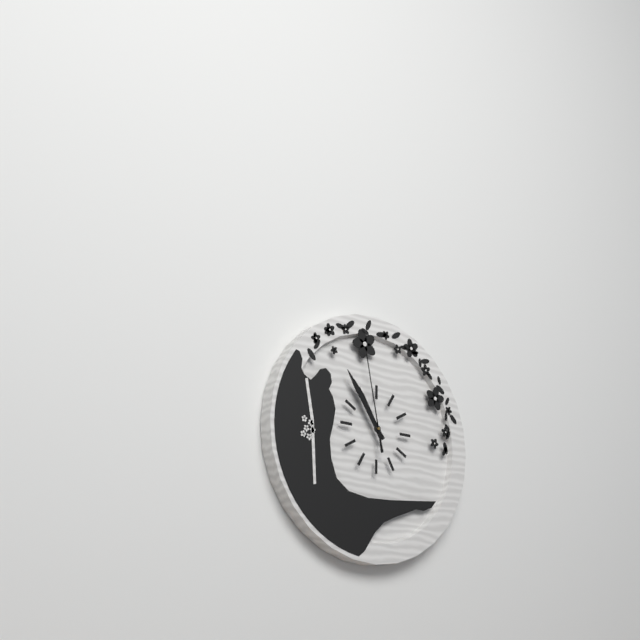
10:54:58
